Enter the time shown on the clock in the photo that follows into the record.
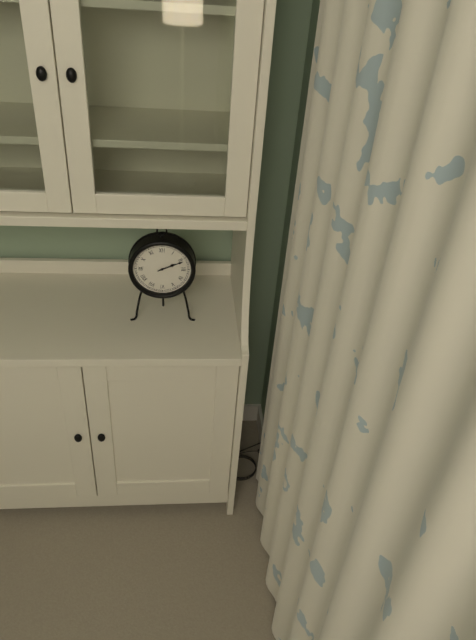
2:11
